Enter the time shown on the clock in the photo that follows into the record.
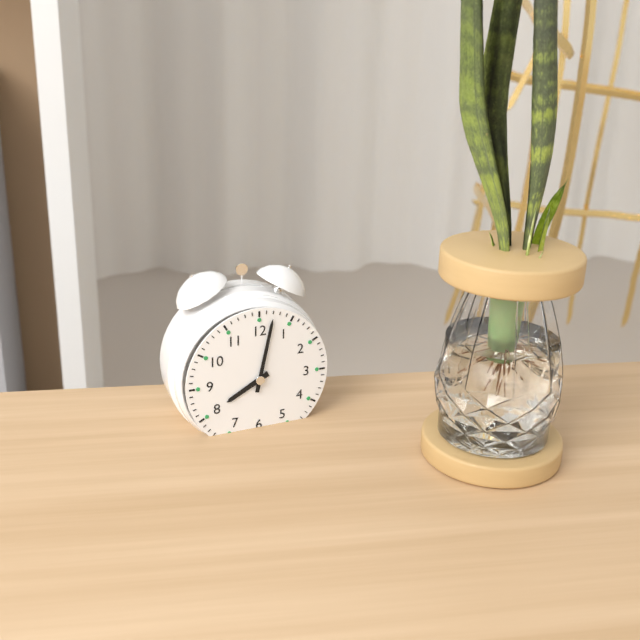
8:02
